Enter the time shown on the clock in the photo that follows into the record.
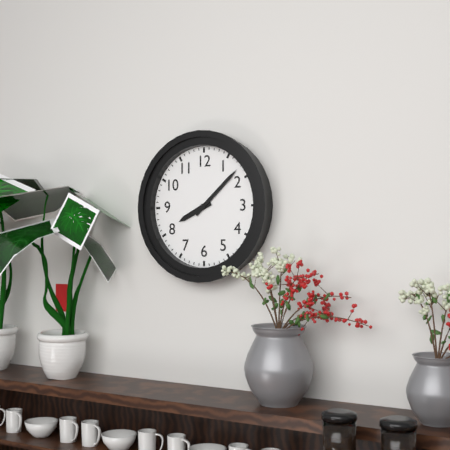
8:08
